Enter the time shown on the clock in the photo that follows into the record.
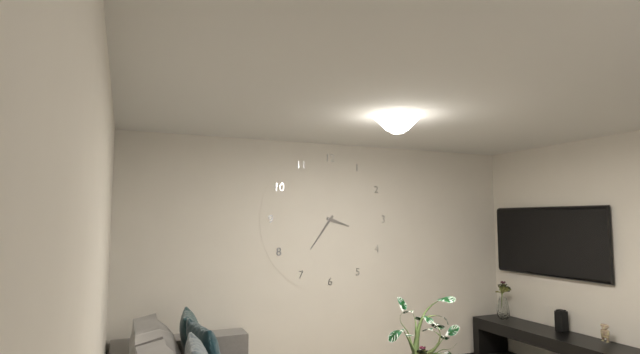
3:36
